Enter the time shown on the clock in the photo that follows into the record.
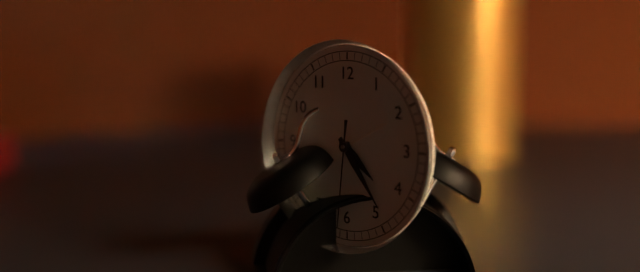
4:24:31
